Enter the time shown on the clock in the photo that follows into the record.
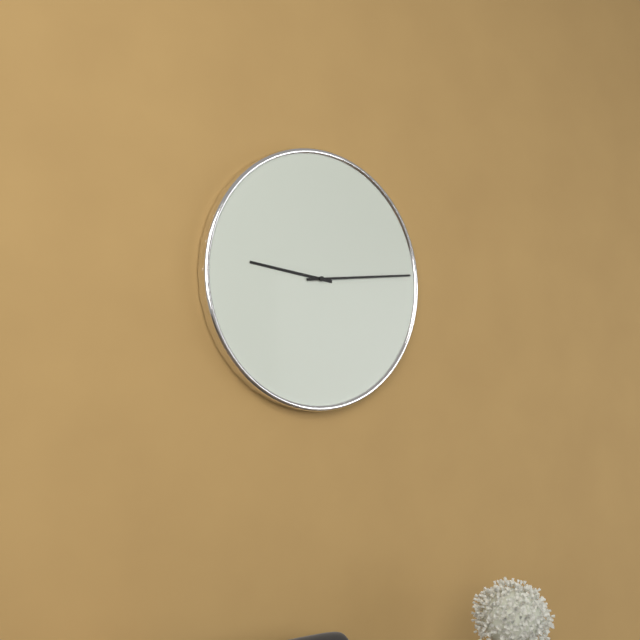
9:14
